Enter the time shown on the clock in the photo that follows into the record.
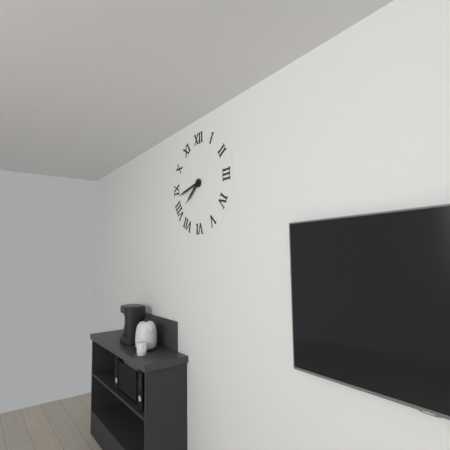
7:43
